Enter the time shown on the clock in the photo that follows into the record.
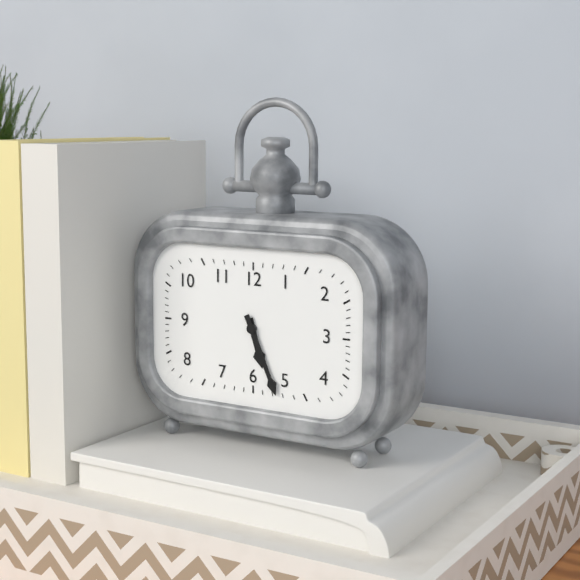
5:26
